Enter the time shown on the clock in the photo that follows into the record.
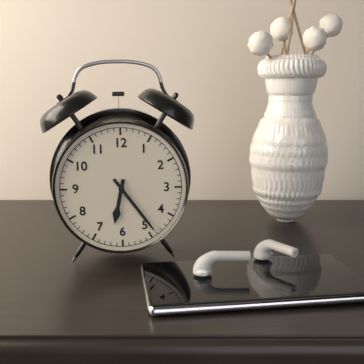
6:24
